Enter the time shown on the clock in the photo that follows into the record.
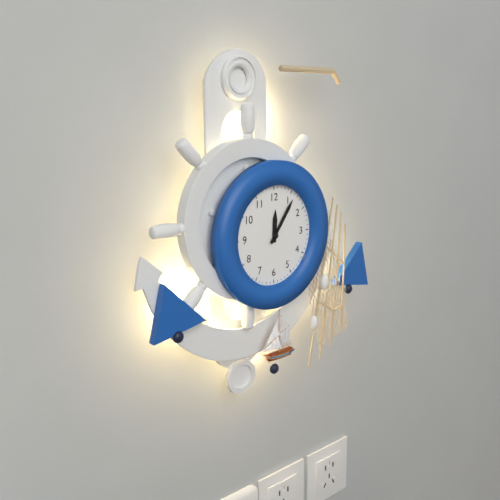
12:06
